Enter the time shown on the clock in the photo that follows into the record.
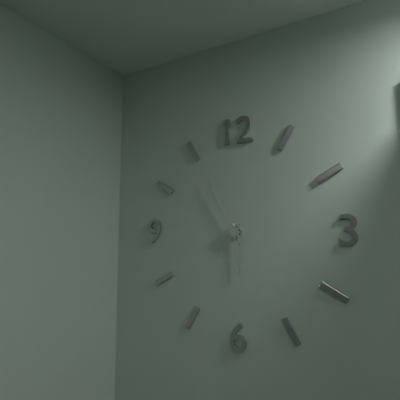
5:55
